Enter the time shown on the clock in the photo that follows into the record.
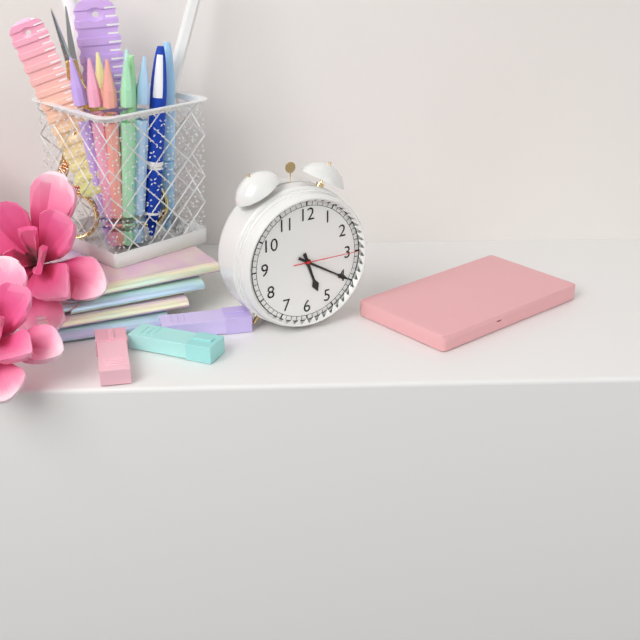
5:20:15
